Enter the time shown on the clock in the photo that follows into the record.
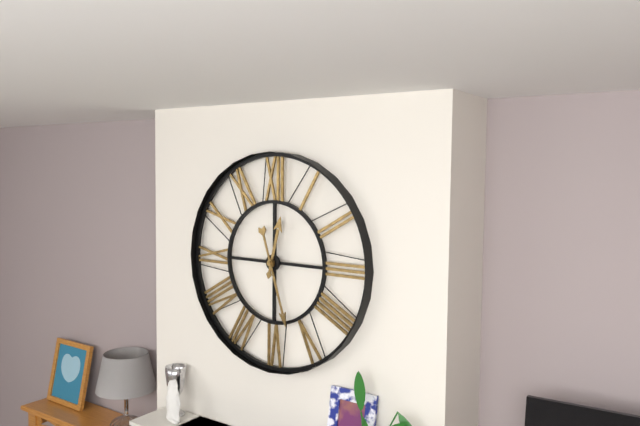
12:27
